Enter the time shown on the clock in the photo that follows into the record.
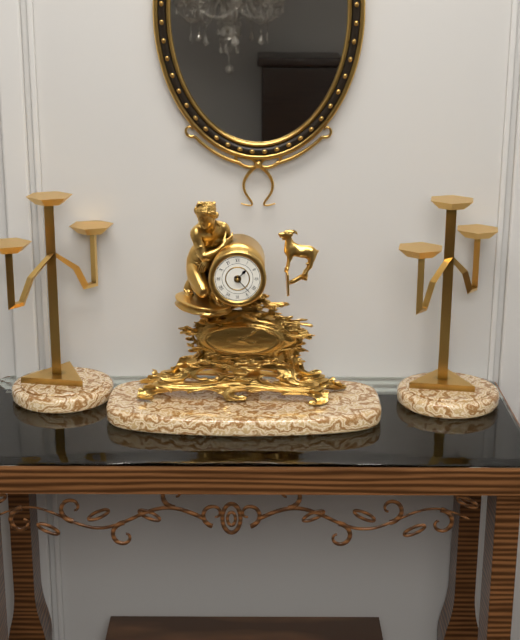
1:23
